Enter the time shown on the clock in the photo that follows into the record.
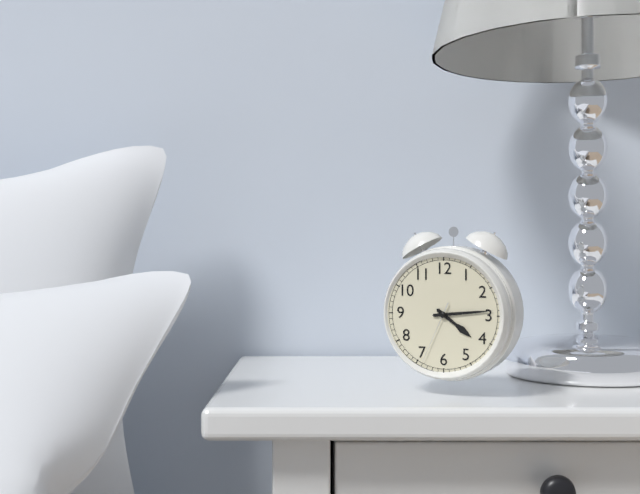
4:14:34
